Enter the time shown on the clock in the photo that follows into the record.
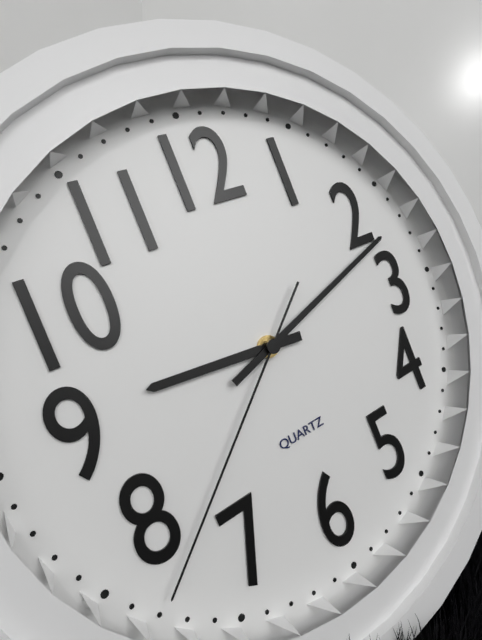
9:12:38
